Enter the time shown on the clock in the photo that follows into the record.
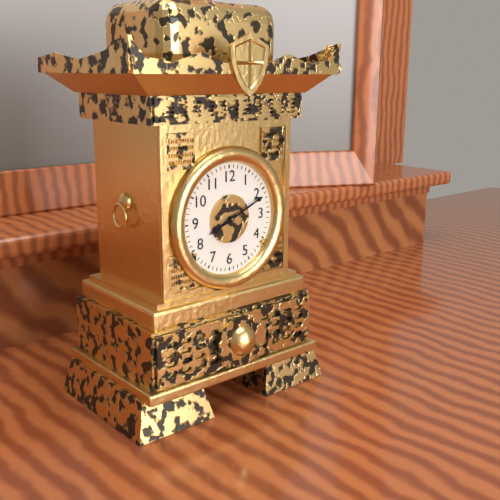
8:11
